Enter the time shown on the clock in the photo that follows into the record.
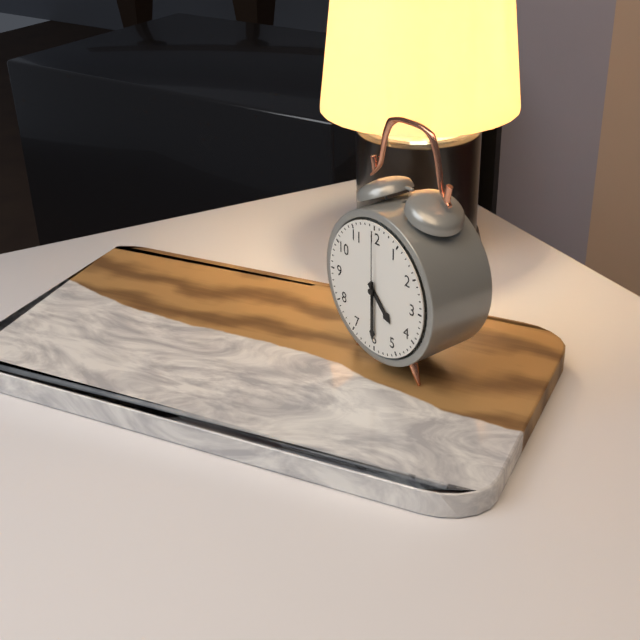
4:30:00
